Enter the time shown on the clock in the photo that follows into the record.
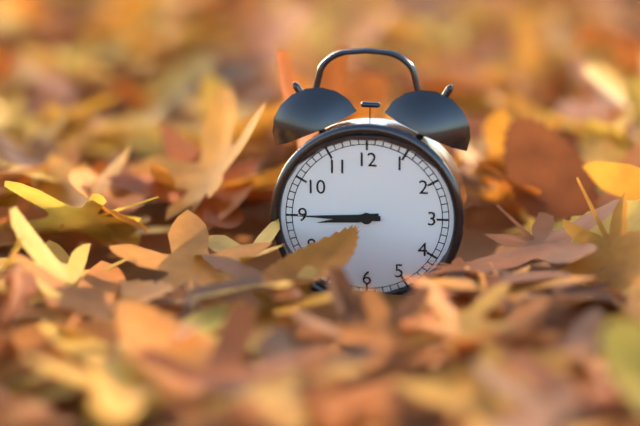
8:45
